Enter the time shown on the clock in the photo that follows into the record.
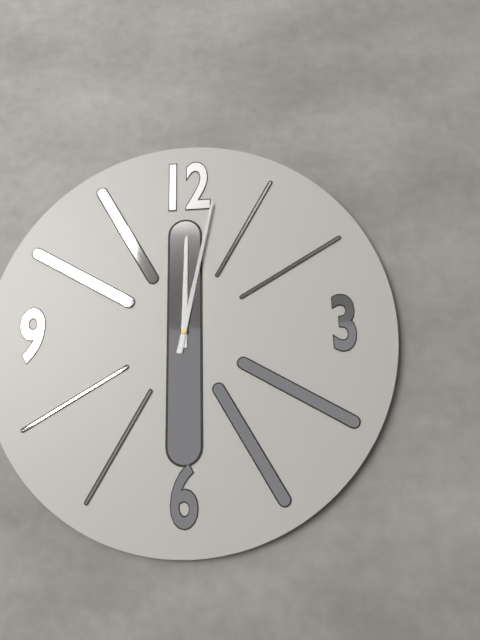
12:02
